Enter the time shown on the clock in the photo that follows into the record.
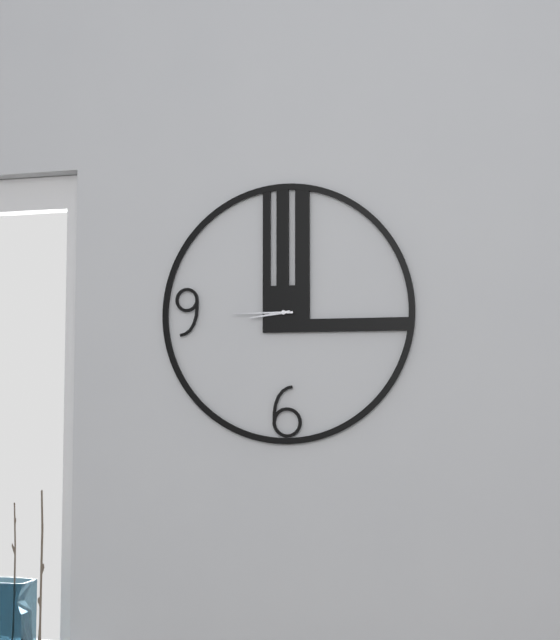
8:45
